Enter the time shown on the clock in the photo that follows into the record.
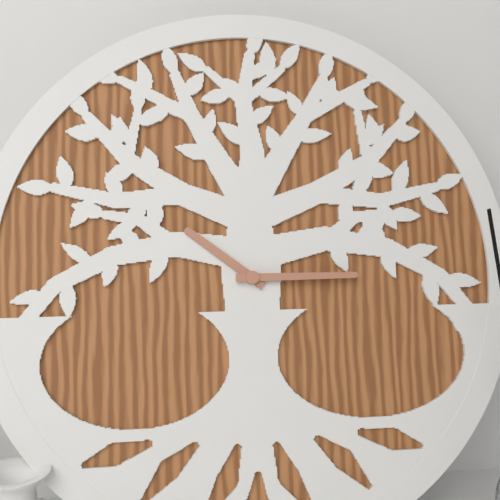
10:15
